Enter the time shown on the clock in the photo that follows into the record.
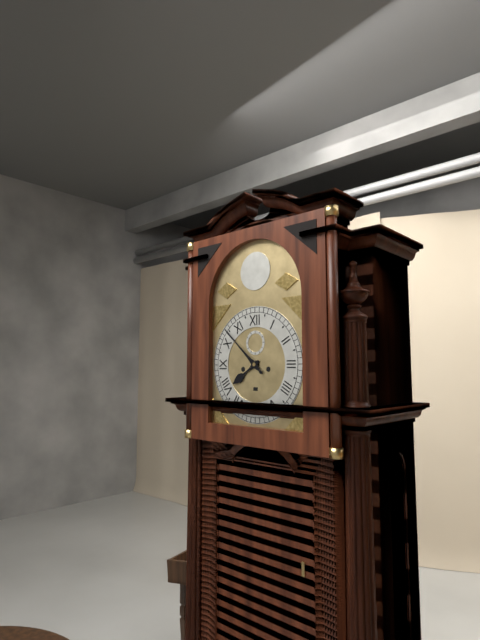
7:52
